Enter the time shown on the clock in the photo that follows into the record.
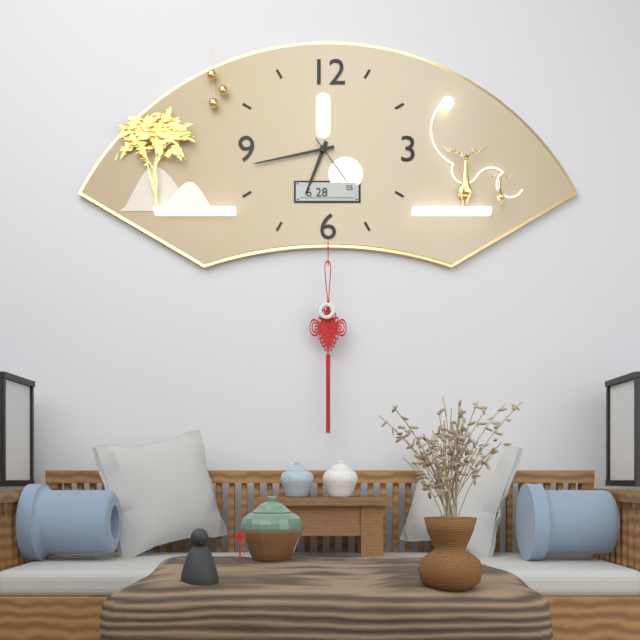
6:43:24
